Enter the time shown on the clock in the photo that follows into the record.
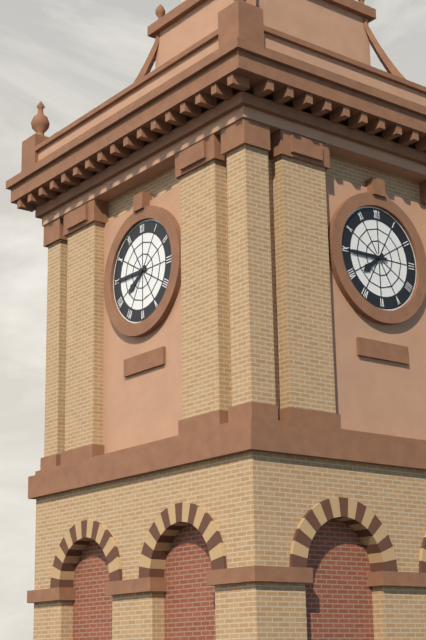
7:45
